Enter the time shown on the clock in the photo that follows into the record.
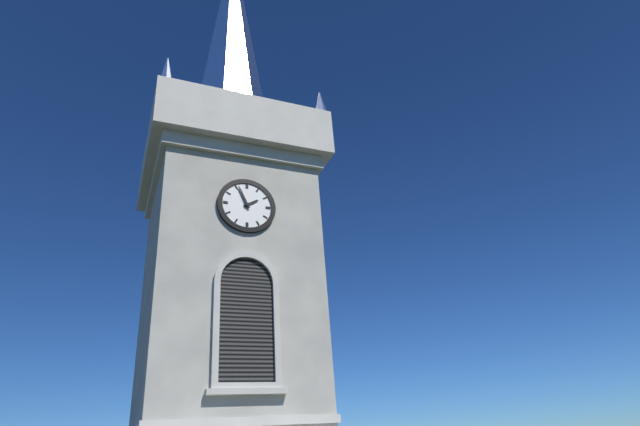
1:56
